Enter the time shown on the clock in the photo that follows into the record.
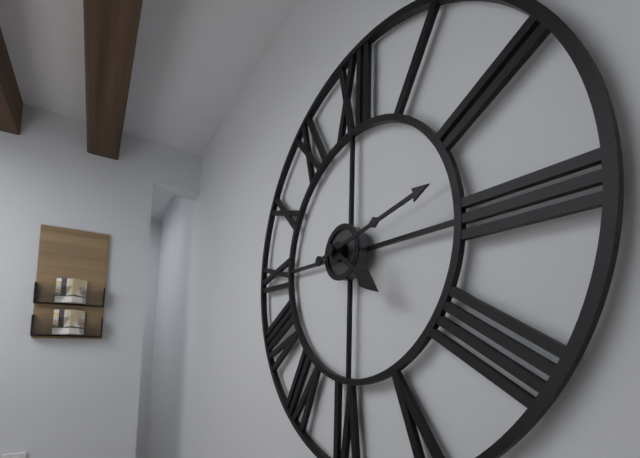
4:13
